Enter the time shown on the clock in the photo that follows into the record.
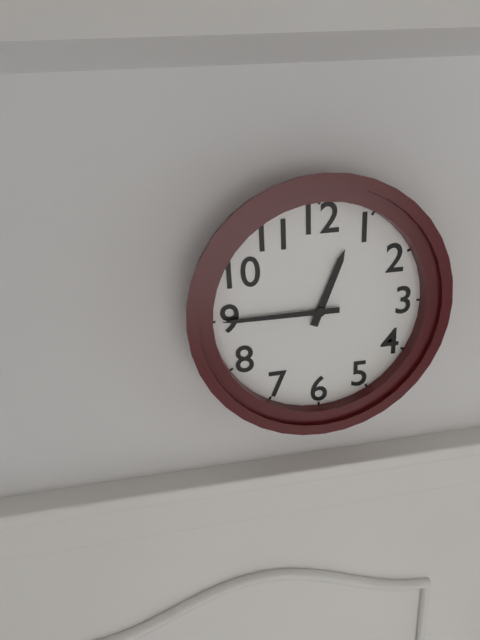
12:45
